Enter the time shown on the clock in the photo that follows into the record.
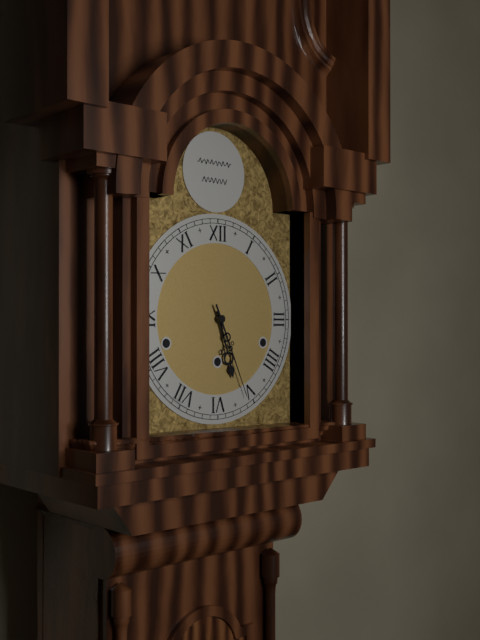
5:26
